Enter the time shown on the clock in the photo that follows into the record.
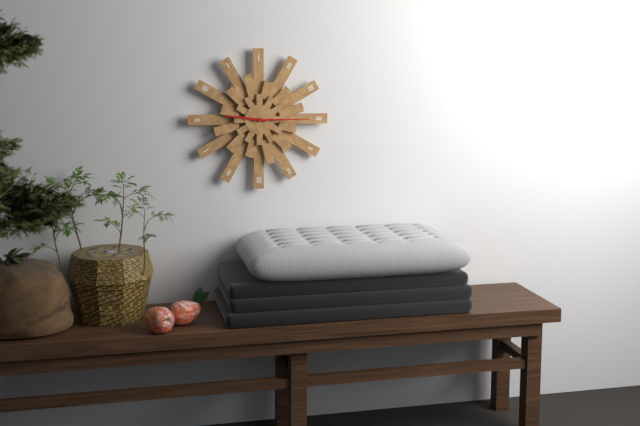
9:15
